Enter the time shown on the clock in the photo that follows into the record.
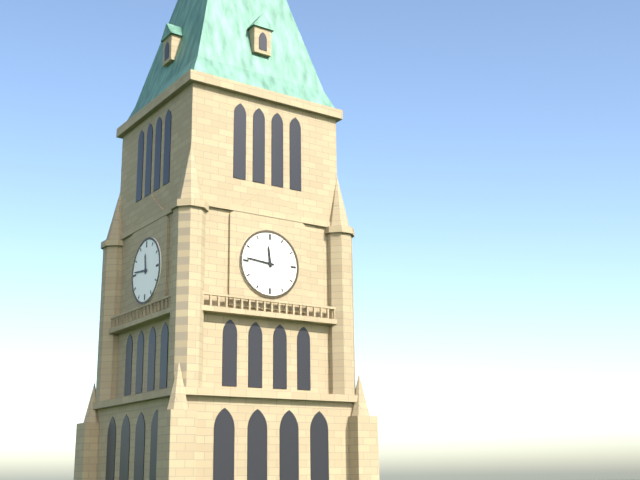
11:46
